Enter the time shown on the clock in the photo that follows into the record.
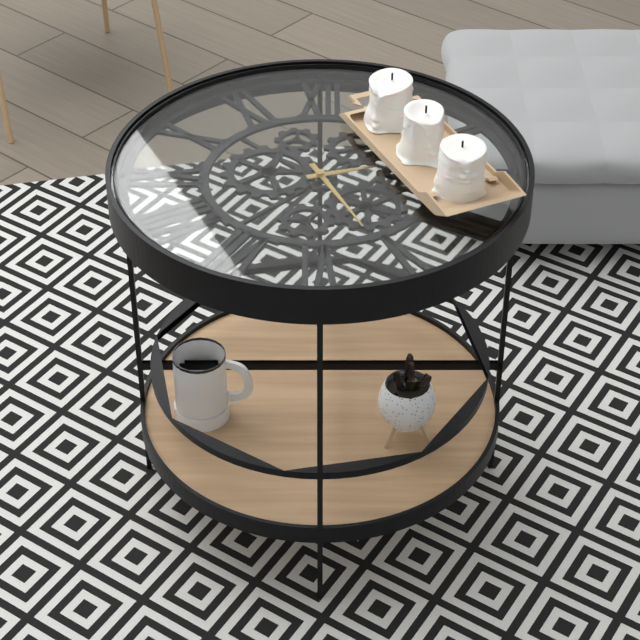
2:26
